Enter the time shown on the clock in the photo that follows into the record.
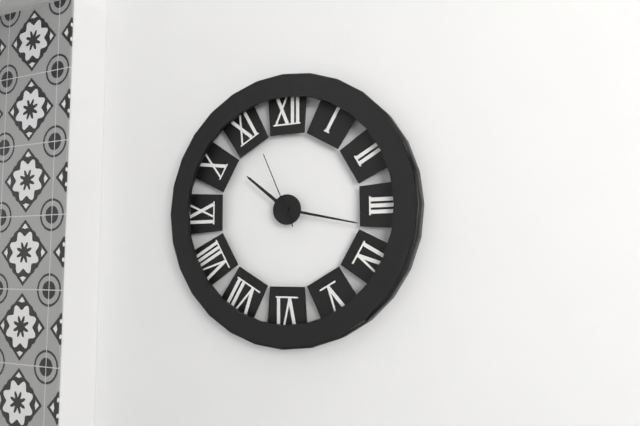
10:17:56
